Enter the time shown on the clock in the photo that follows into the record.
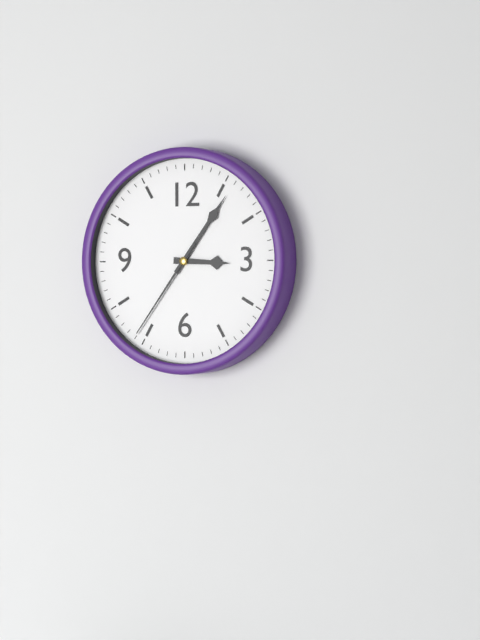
3:06:36
